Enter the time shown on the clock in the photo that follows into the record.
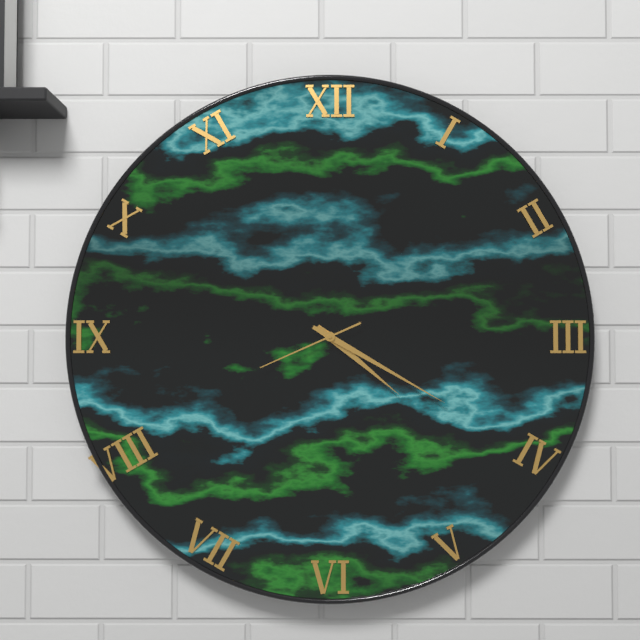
4:20:41
